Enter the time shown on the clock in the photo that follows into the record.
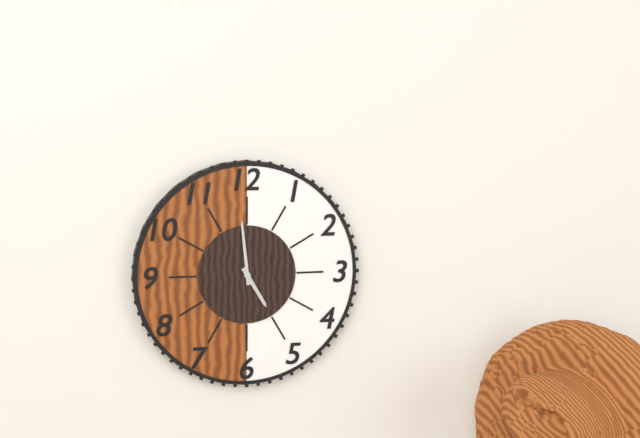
4:59
